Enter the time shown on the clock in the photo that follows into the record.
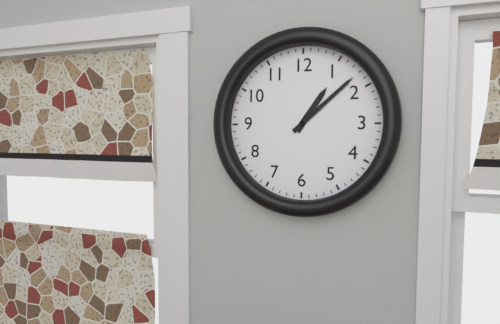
1:08
